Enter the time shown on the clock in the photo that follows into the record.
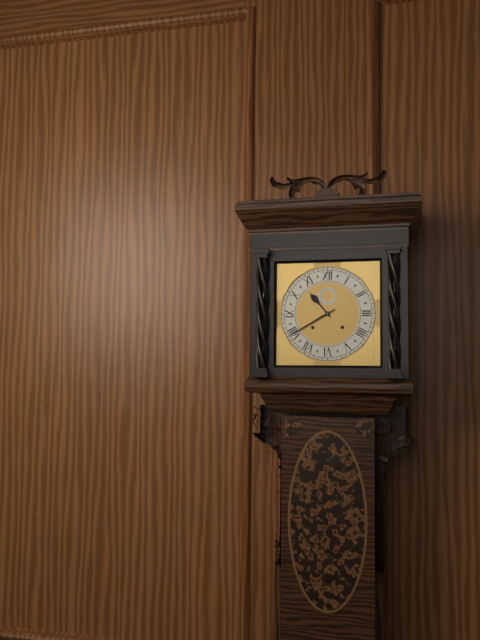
10:40
